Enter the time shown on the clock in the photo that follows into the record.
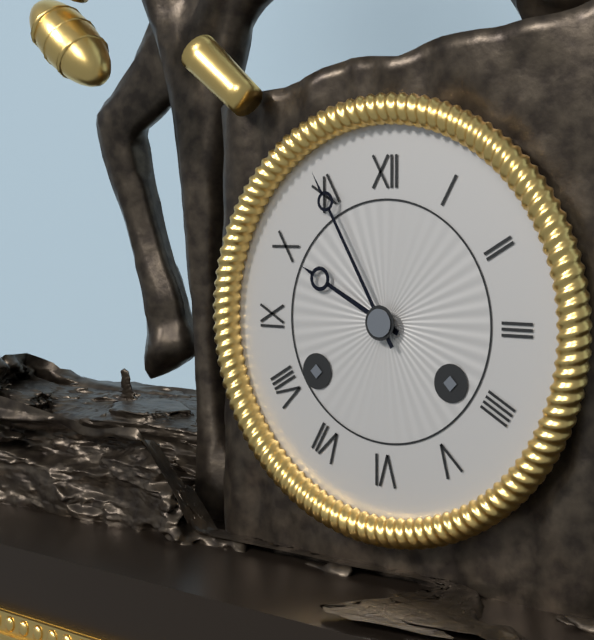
9:55
